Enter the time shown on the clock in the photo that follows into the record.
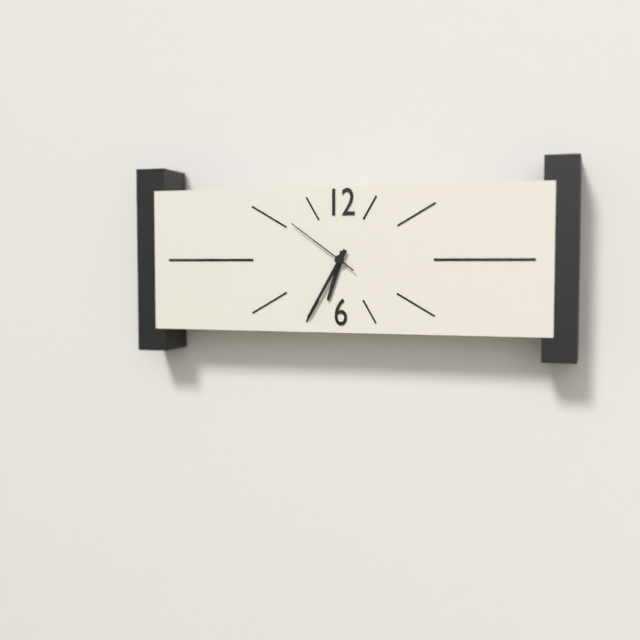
6:35:51
